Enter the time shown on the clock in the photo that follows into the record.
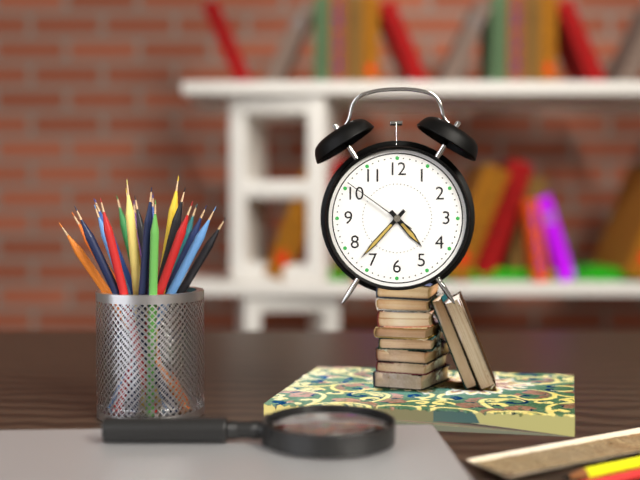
4:37:51
